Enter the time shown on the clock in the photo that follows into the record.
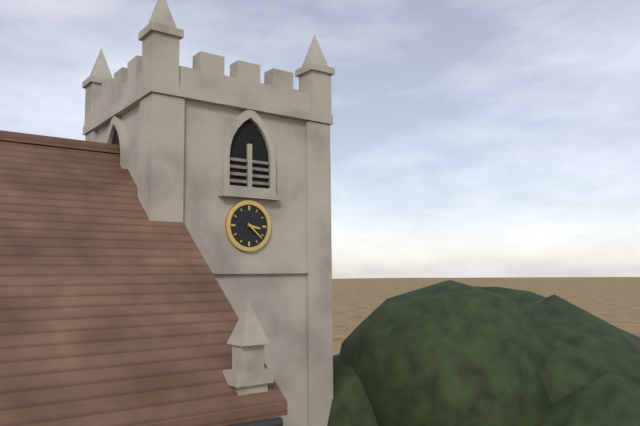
3:22
